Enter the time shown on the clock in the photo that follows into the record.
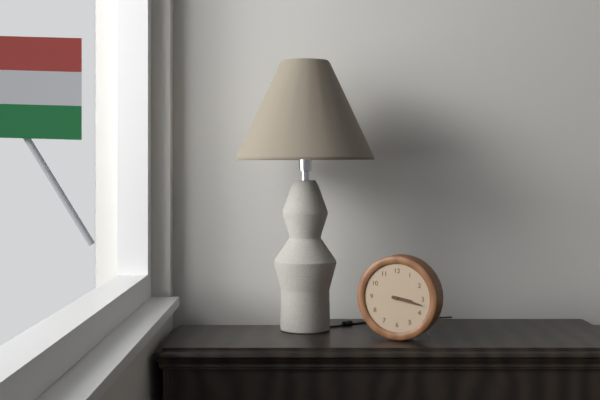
3:17
